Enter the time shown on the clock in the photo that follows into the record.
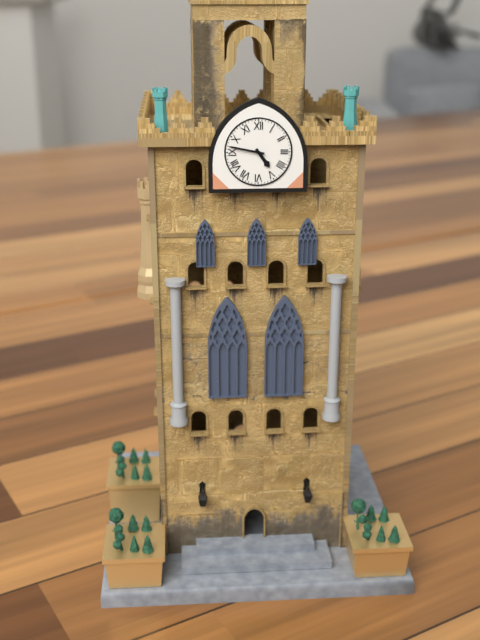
4:47
